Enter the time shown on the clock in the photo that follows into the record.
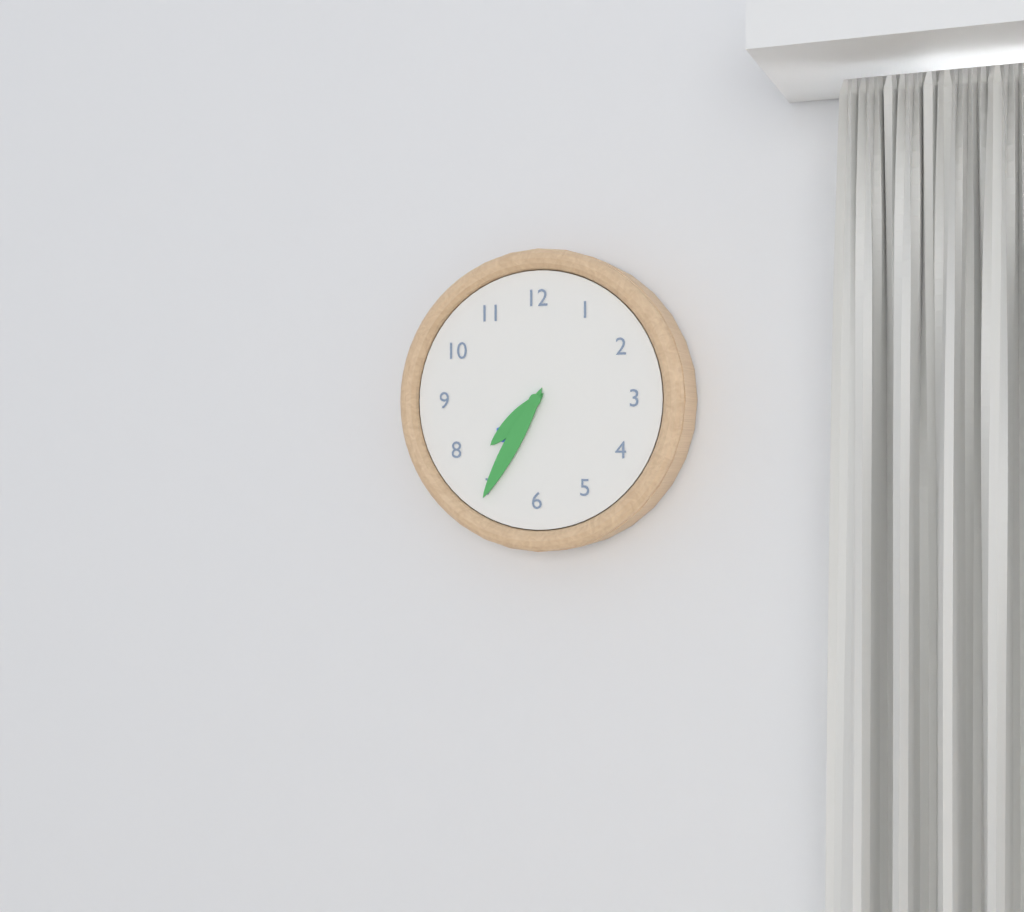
7:35
